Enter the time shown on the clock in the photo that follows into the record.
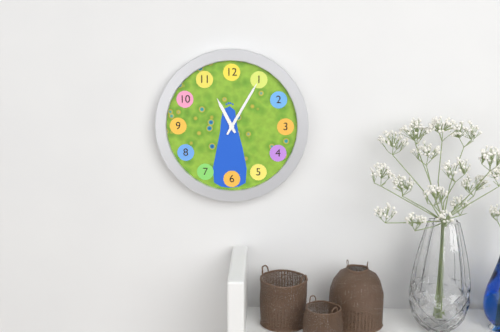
11:05
